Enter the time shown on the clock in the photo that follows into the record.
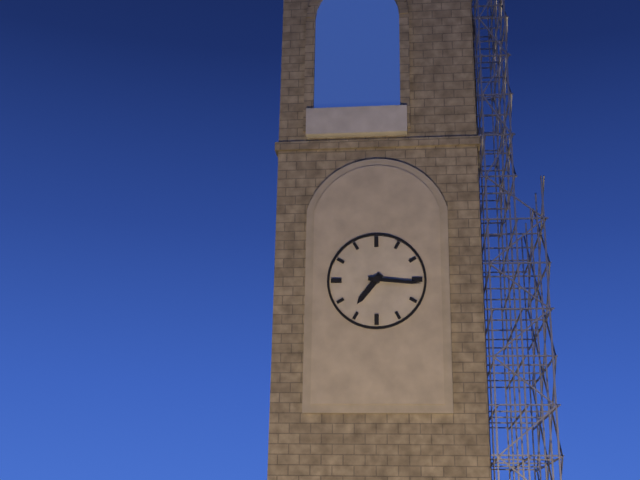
7:16
